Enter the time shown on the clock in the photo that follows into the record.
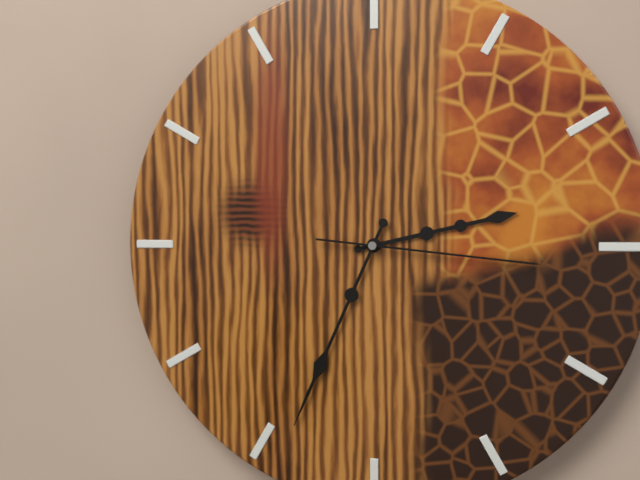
2:34:16
